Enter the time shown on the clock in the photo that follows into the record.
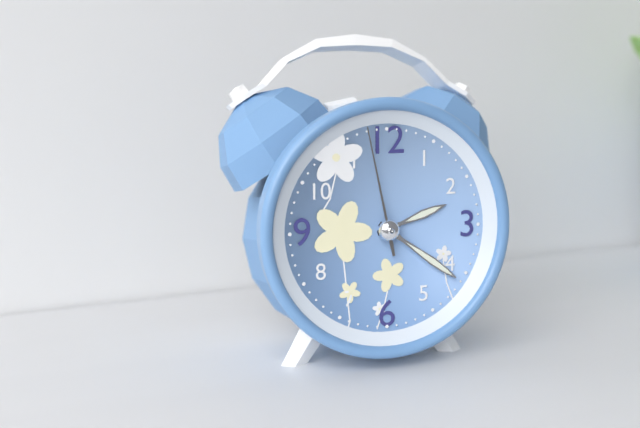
2:21:58
